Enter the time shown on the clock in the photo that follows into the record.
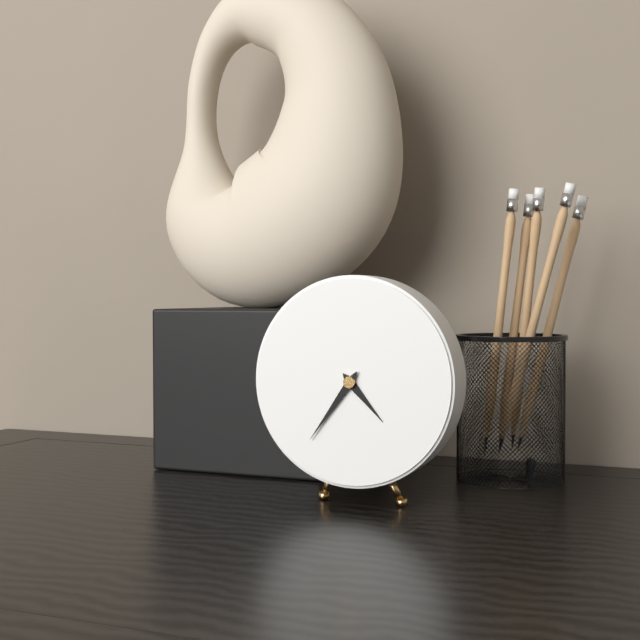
4:36
